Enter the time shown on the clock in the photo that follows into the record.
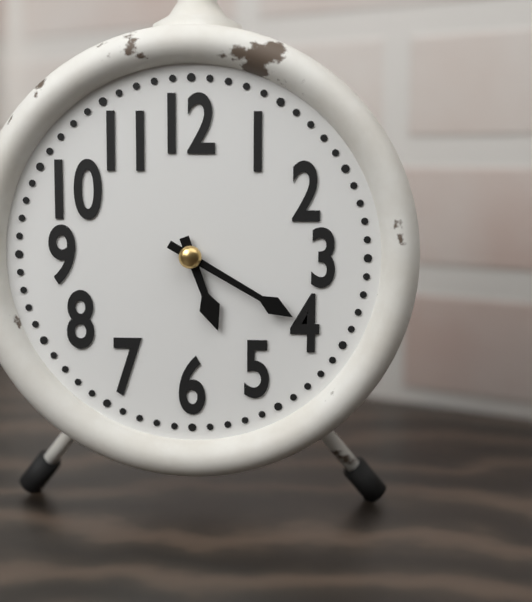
5:20
